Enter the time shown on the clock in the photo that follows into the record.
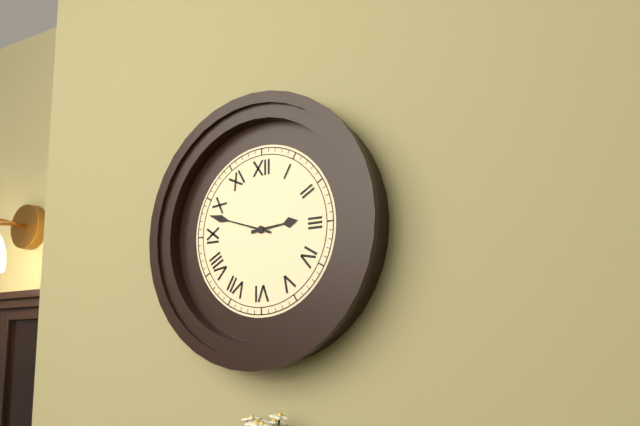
2:48
